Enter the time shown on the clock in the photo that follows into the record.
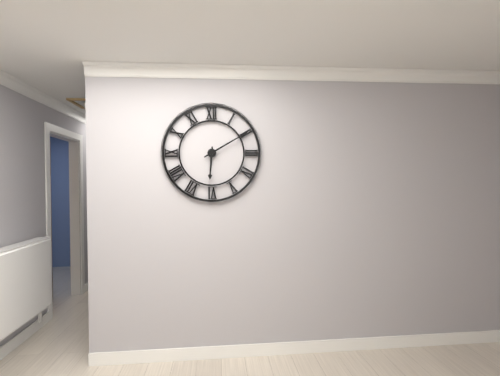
6:10
